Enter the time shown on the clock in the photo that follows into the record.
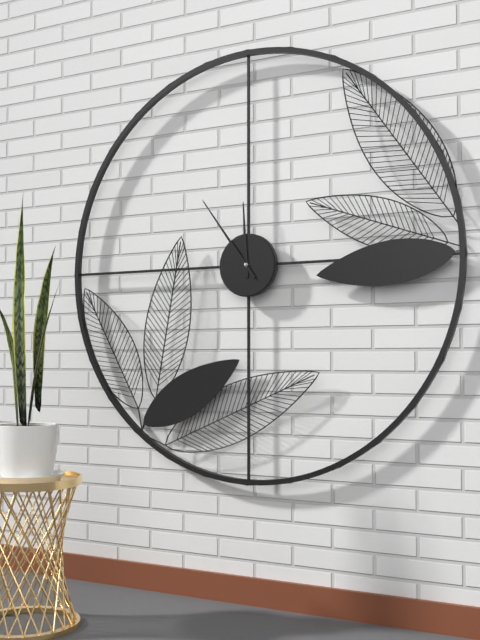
11:54
